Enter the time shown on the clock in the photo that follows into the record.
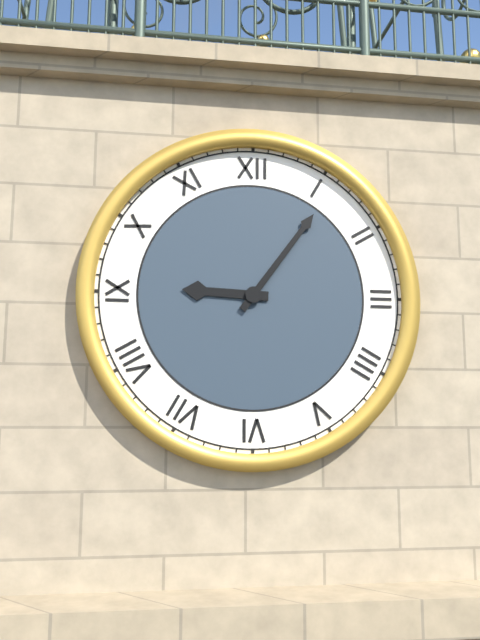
9:06
